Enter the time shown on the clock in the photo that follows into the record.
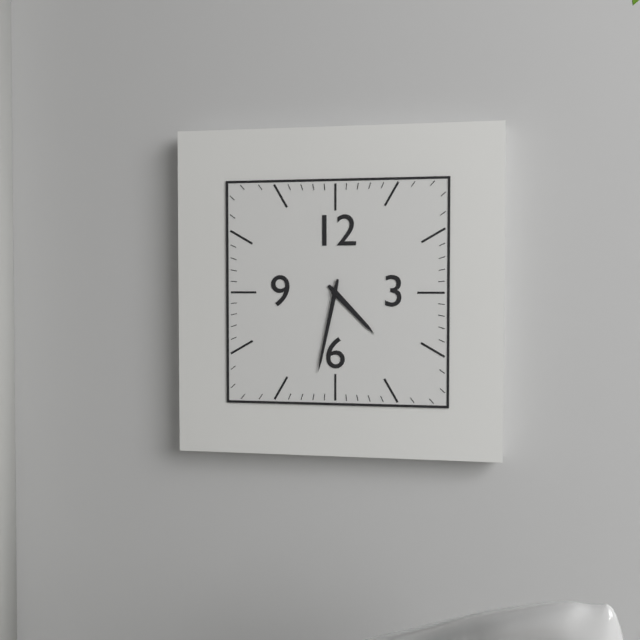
4:32
